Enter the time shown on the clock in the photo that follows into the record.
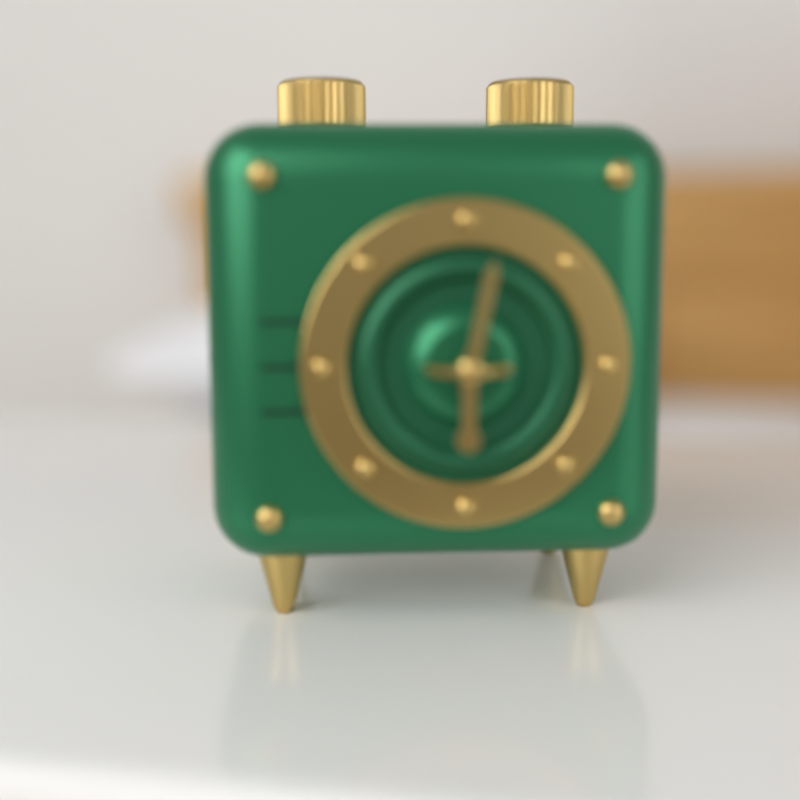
6:02
